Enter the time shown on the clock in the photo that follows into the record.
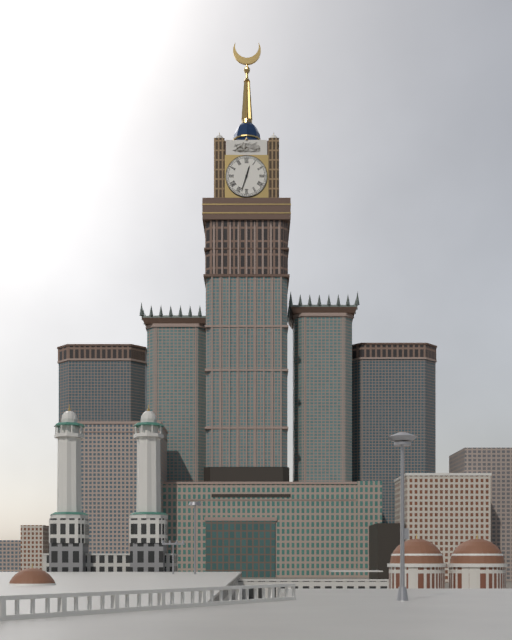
12:33
